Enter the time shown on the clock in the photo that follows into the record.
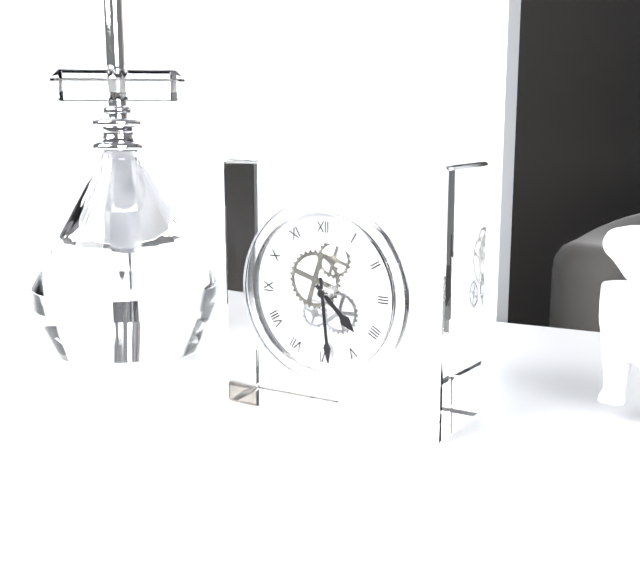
4:29
